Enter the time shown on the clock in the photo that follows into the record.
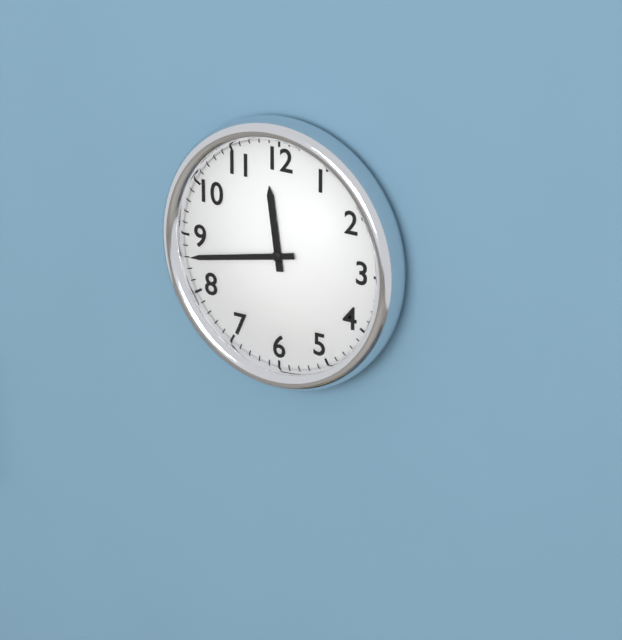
11:43
